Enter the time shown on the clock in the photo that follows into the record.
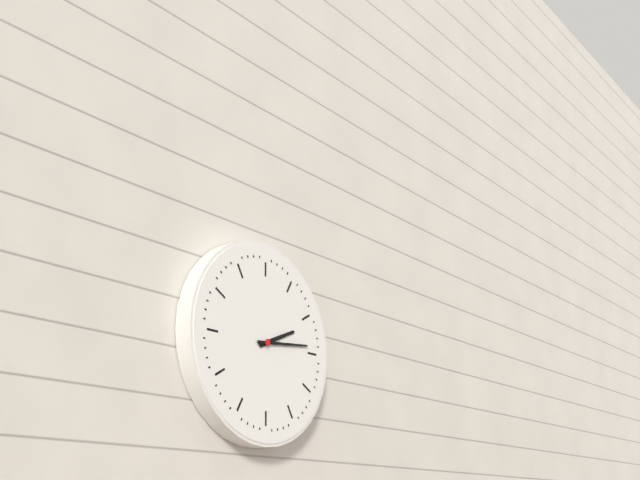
2:14
